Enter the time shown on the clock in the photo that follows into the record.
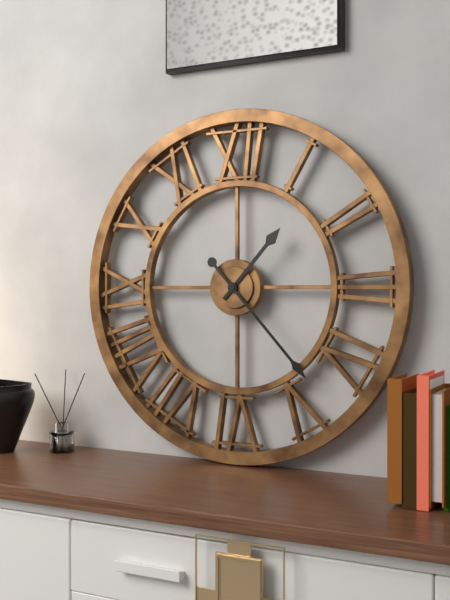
1:23
